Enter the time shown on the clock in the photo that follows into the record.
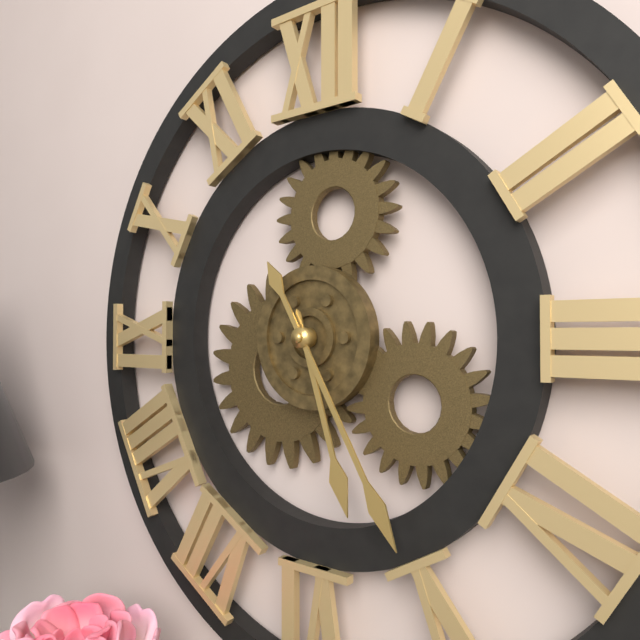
5:25
